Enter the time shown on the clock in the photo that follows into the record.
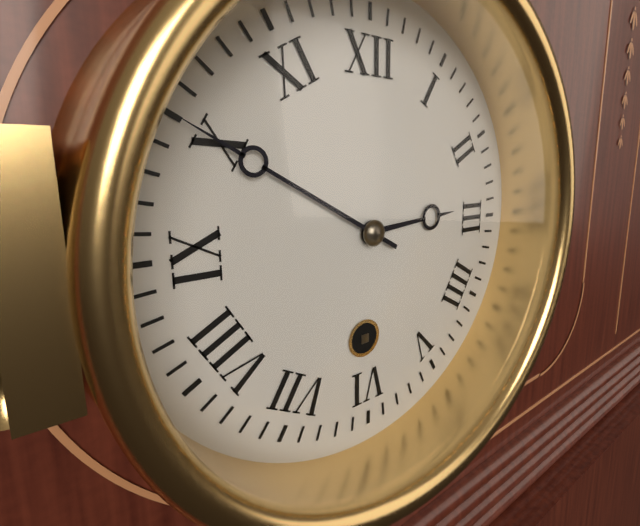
2:50
